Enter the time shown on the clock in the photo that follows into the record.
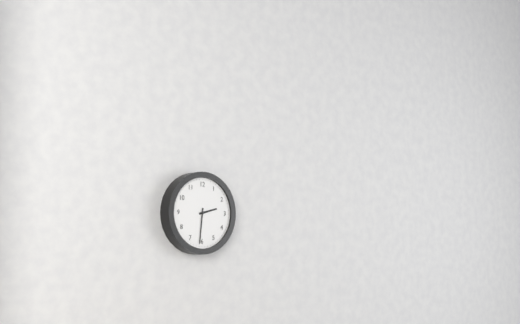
2:31
